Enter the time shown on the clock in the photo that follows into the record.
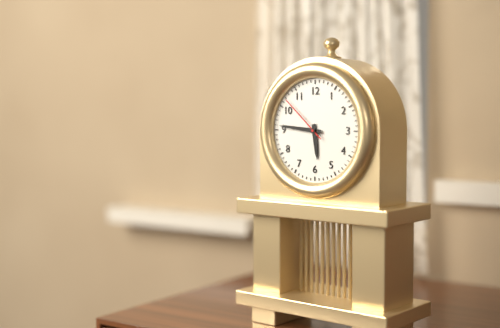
5:46:52
